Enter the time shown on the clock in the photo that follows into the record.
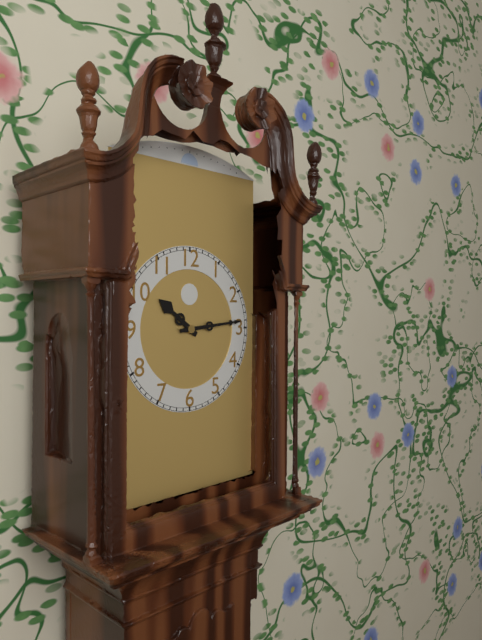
10:14
